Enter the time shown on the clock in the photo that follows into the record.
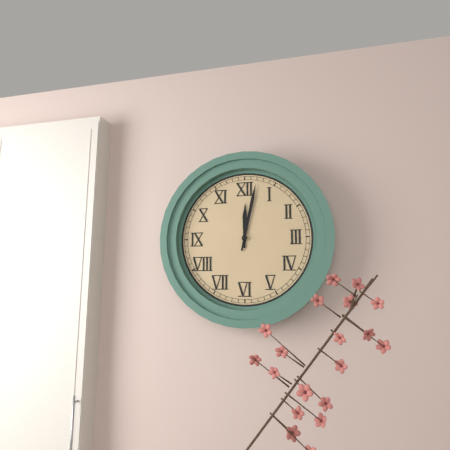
12:02
